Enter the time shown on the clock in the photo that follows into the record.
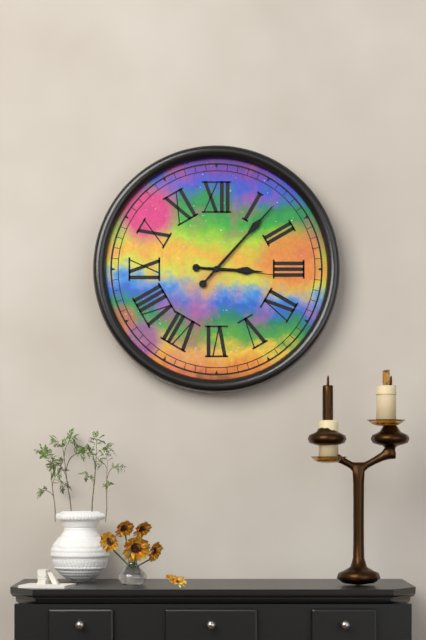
3:07:16
